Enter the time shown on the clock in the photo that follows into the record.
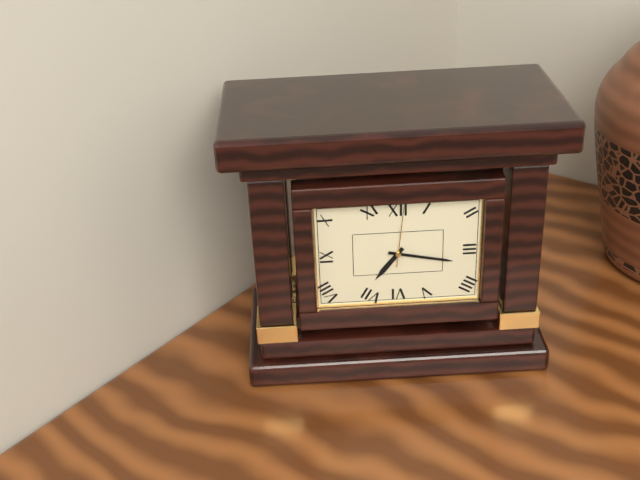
7:17:01
